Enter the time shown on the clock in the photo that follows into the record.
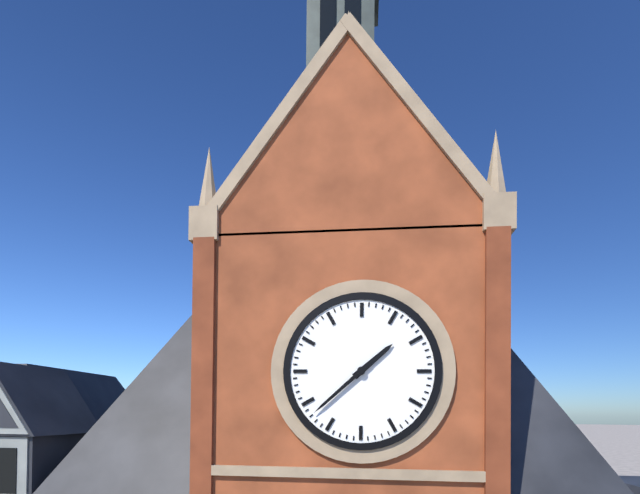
1:38
